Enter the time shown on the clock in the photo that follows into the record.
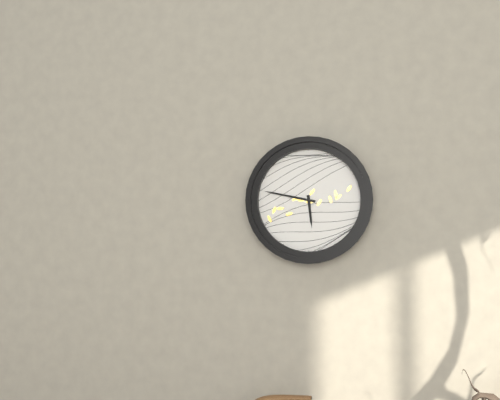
5:47
